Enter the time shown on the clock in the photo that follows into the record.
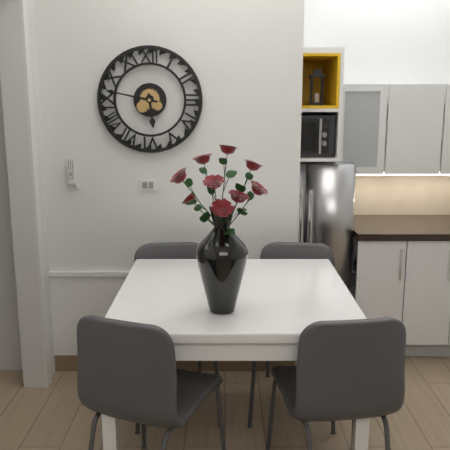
5:47
